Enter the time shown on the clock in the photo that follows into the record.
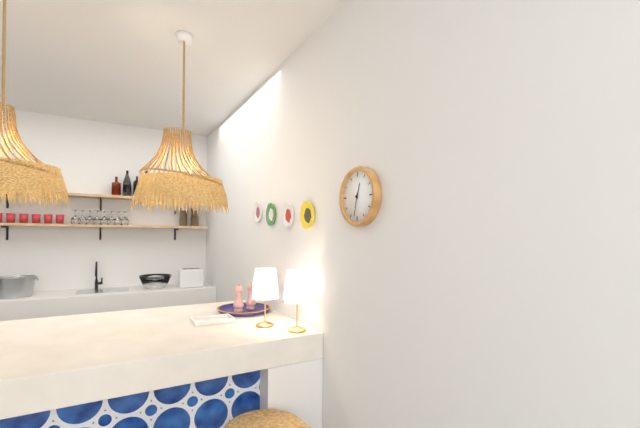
12:32
